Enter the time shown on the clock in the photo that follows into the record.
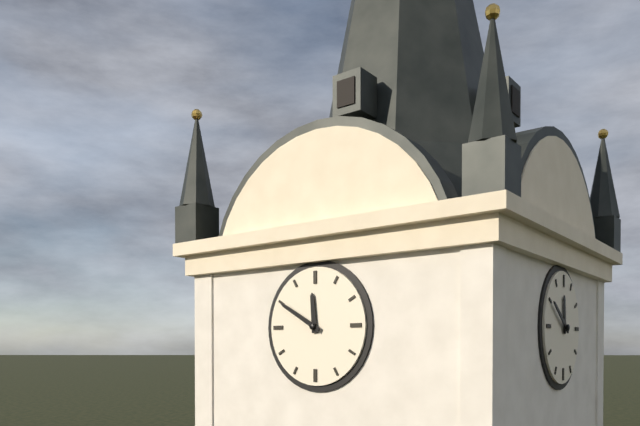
11:50
